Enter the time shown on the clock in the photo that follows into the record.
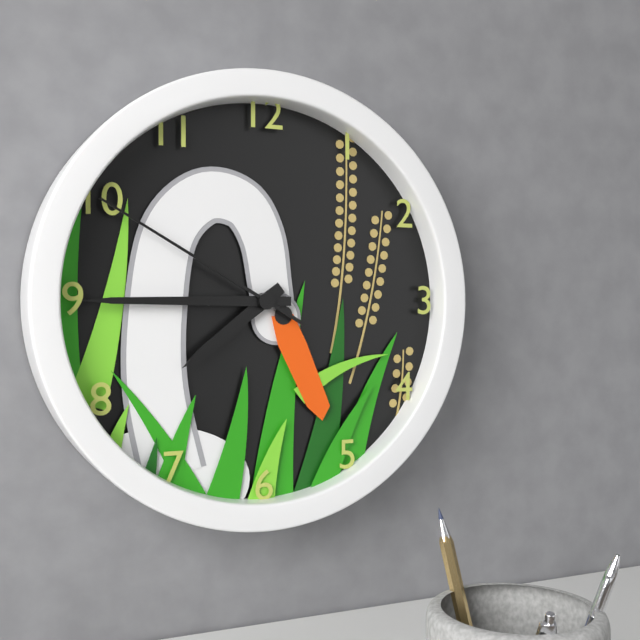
7:45:50
